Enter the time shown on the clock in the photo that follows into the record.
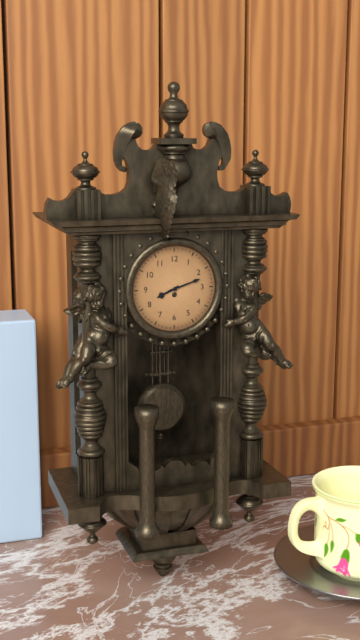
8:12
